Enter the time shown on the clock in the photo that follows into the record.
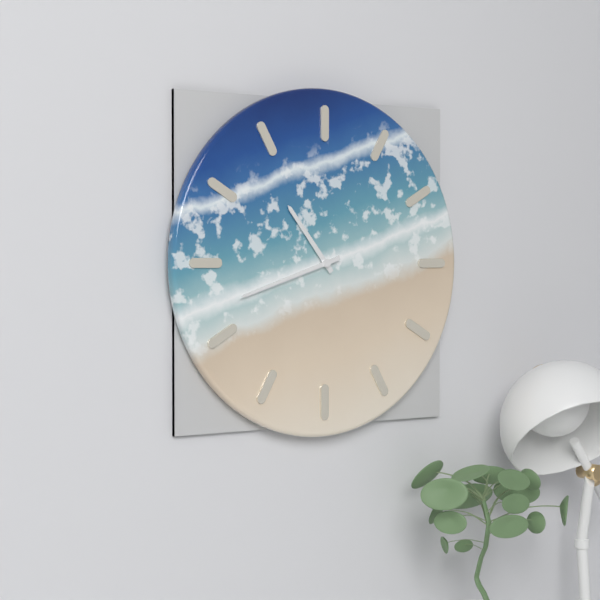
10:42
